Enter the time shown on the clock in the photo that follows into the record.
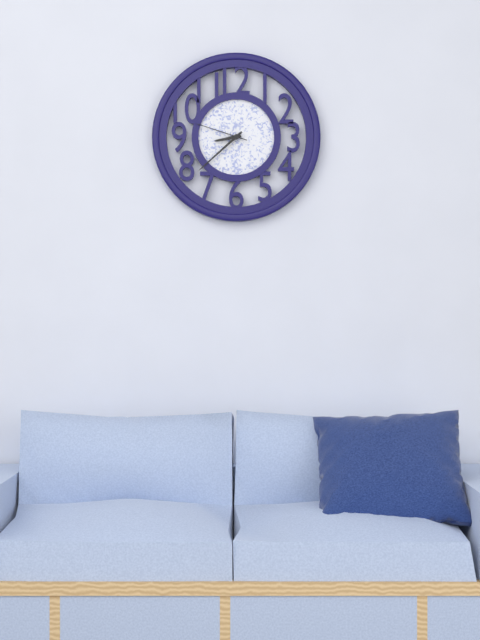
8:38:48
